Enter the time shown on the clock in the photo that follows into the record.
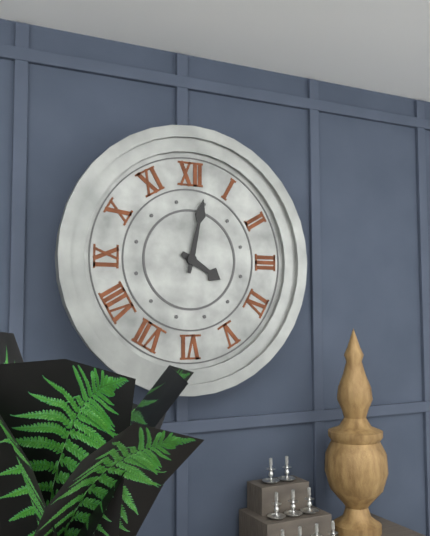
4:02
